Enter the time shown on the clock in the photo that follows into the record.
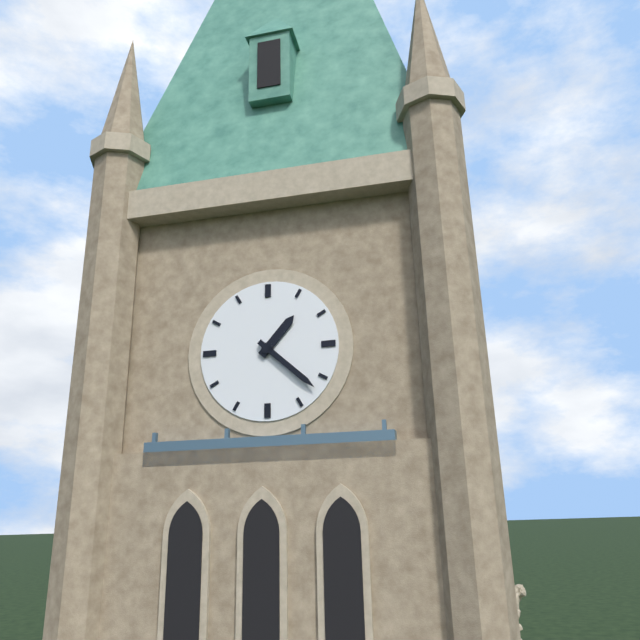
1:22
